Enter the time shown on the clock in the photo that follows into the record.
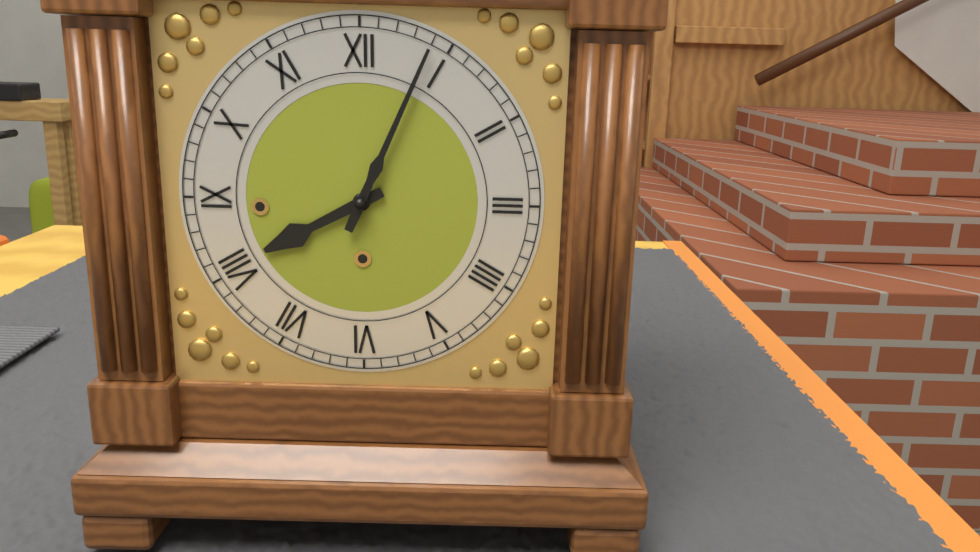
8:04
